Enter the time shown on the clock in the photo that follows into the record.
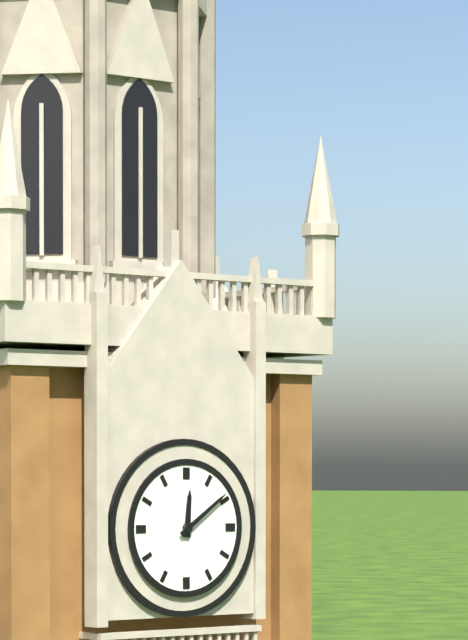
12:09
